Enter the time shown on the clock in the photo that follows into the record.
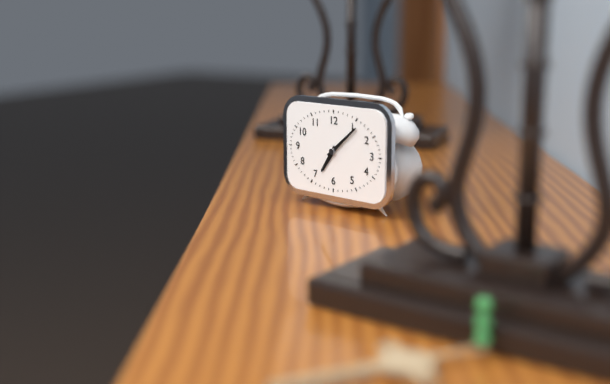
7:08
